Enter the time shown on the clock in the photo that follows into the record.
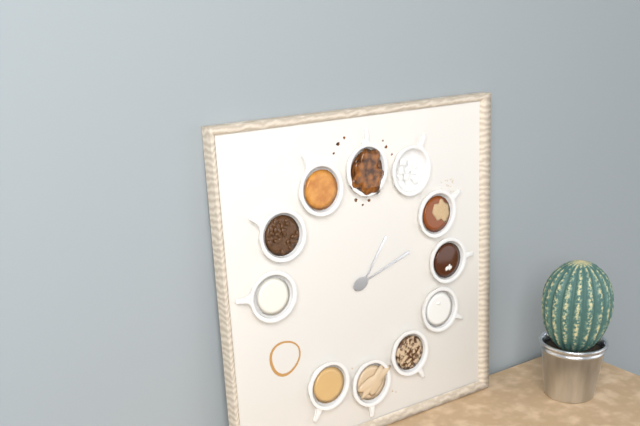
1:12
